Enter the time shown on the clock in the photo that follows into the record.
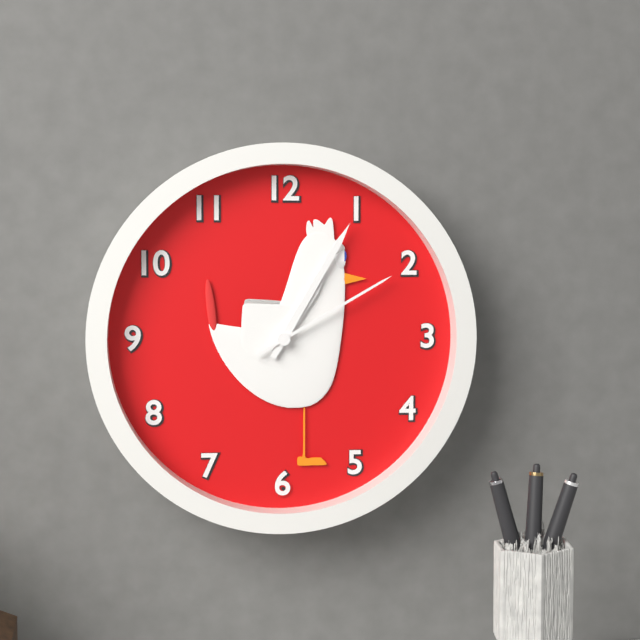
1:05:10
